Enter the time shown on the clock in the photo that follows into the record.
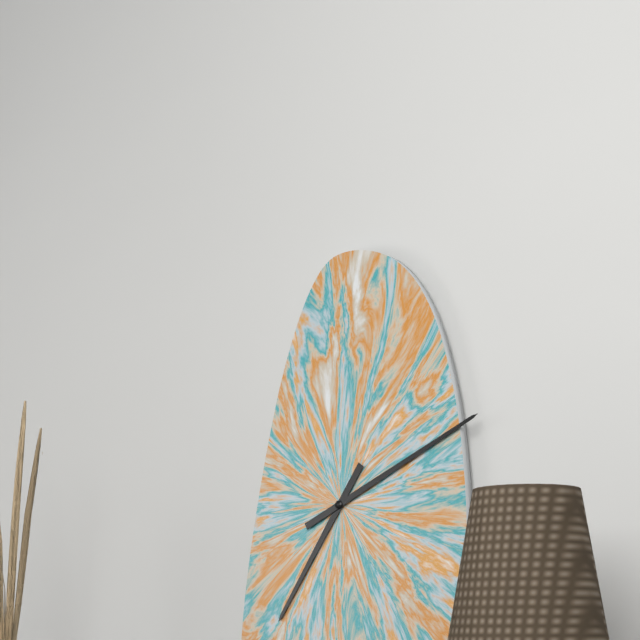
7:11
